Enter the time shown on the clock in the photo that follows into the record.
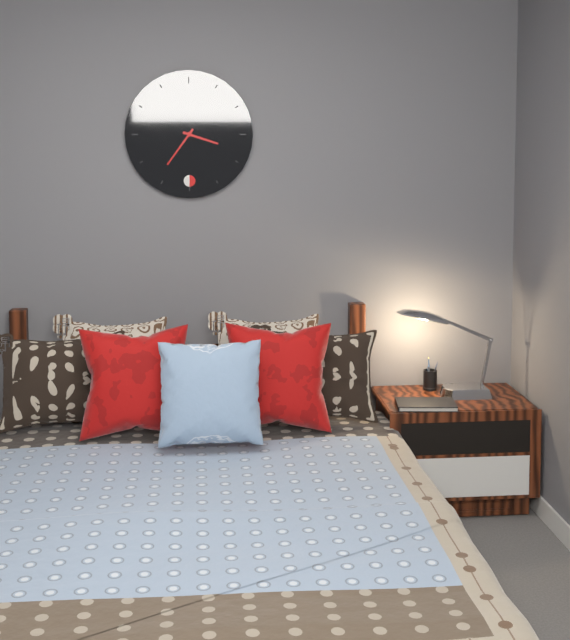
3:36
